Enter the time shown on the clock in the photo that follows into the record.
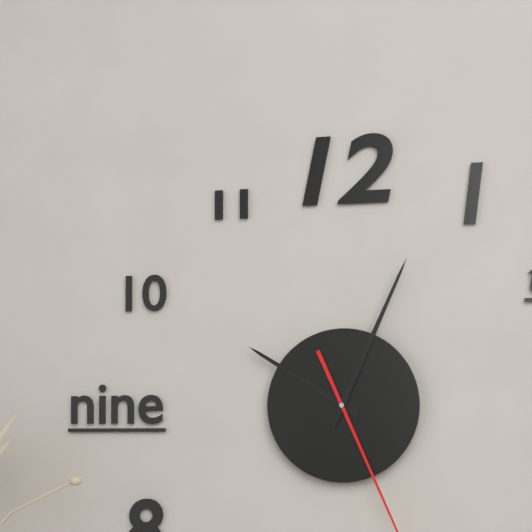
10:04
